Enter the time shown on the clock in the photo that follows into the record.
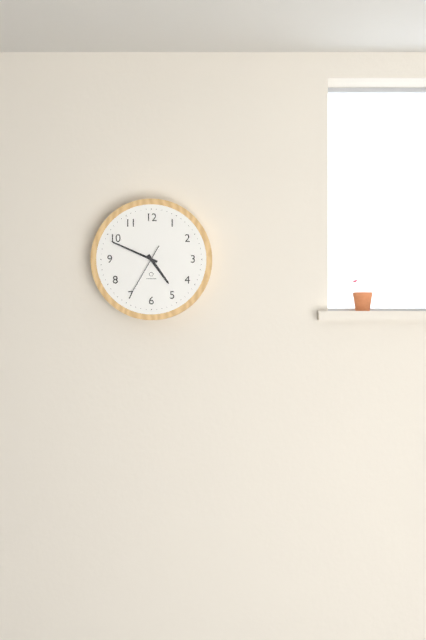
4:49:35
